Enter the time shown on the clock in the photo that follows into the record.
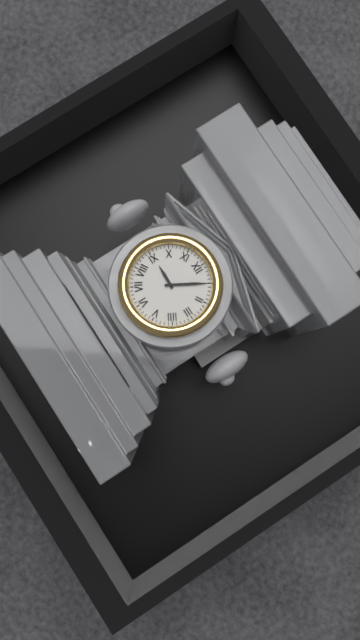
9:05
